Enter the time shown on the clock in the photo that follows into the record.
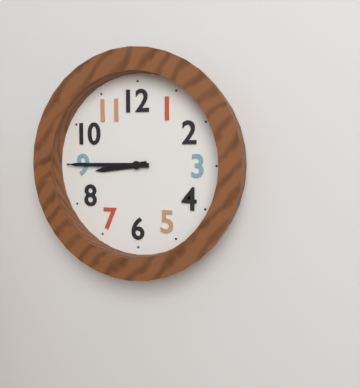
8:45
